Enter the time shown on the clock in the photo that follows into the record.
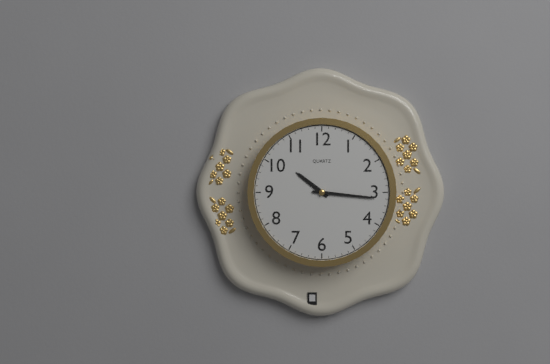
10:16
